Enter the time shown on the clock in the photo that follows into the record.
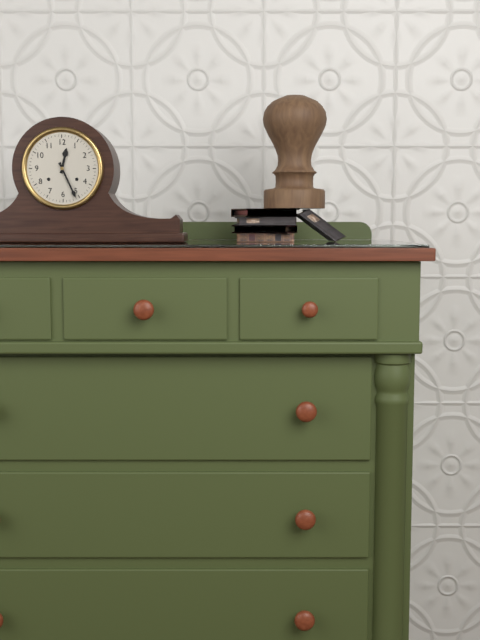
12:26
